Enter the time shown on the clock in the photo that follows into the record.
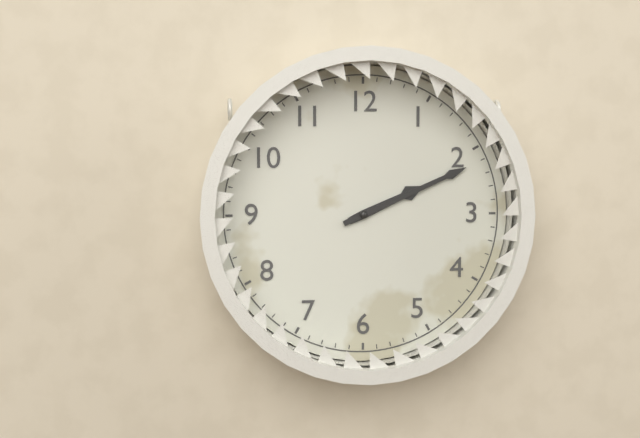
2:11
